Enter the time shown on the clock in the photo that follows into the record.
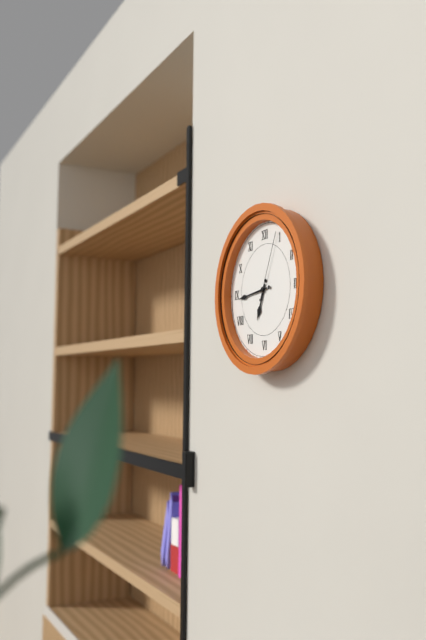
6:44:04
